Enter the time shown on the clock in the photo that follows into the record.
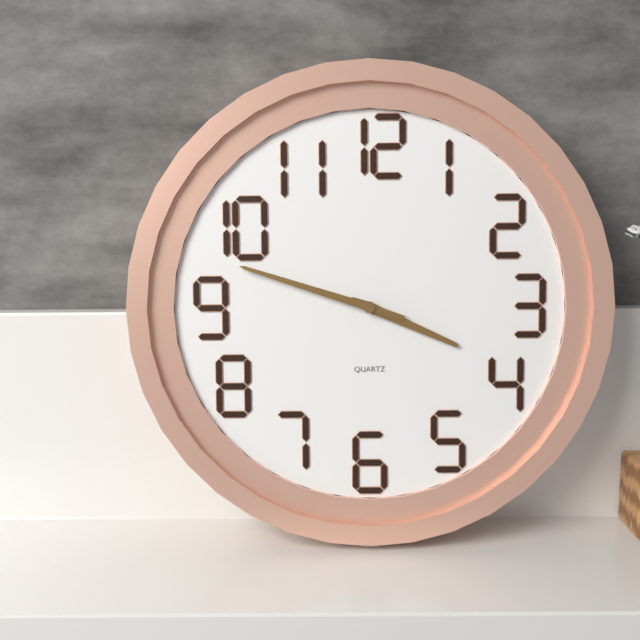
3:48
